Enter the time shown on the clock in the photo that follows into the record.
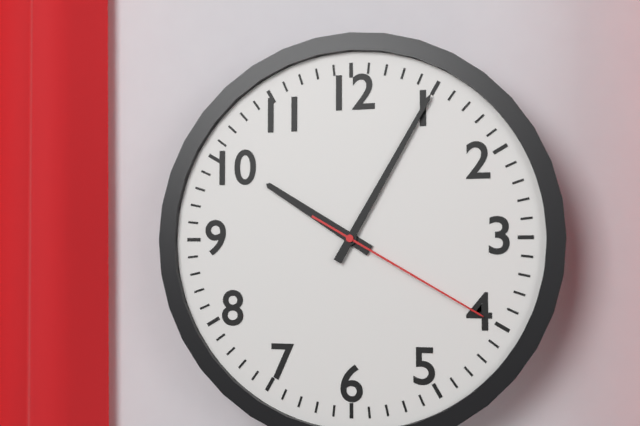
10:05:20
